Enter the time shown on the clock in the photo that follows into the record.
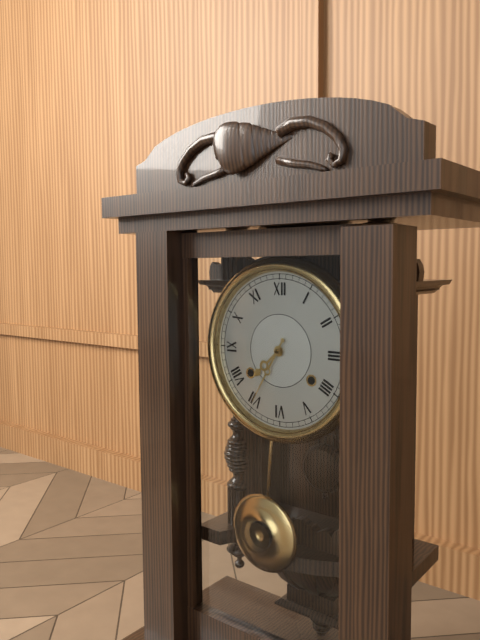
7:35
